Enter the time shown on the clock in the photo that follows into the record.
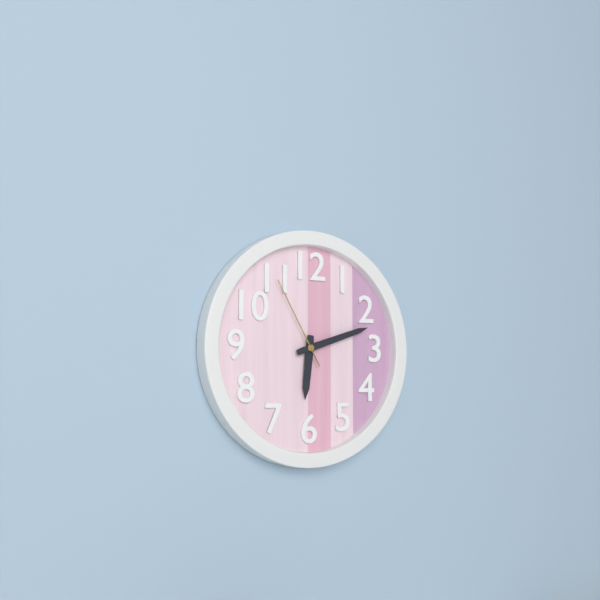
6:12:55
